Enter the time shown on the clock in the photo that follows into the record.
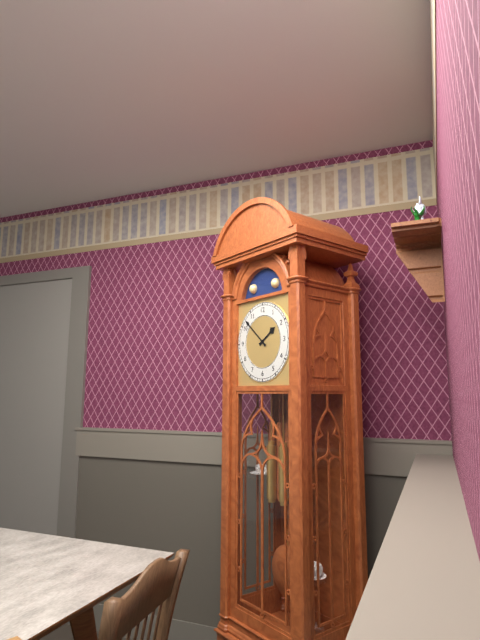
1:52
